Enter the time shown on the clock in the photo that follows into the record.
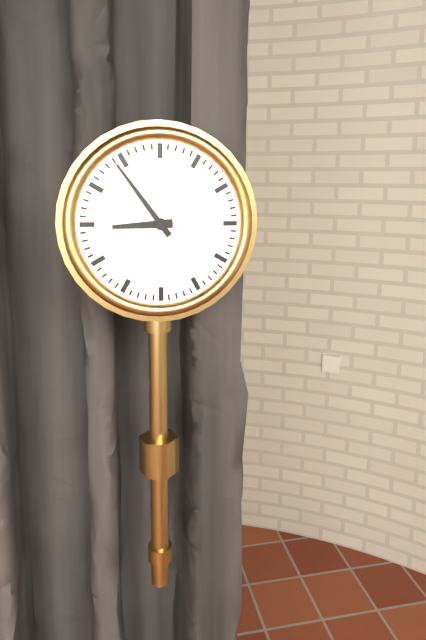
8:54
